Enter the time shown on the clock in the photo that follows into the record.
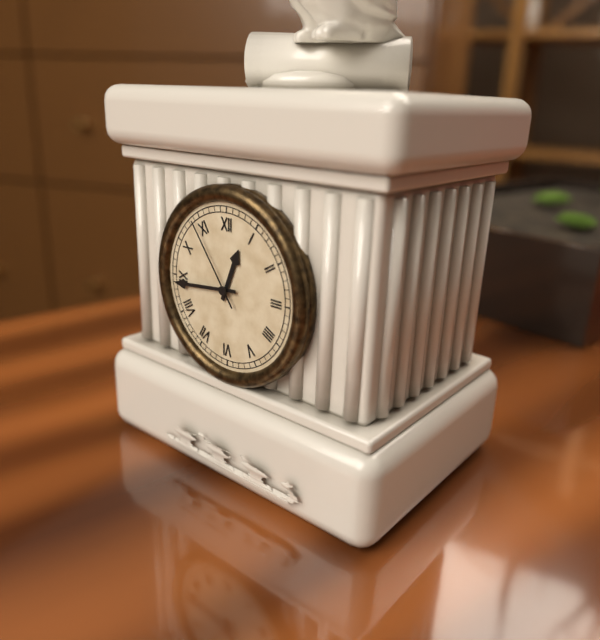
12:44:54
